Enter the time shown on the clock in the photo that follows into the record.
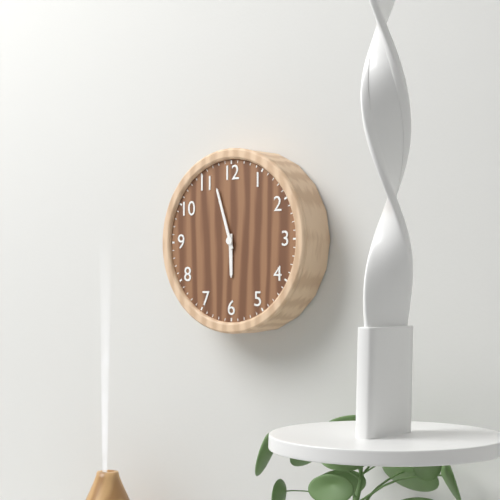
5:57
